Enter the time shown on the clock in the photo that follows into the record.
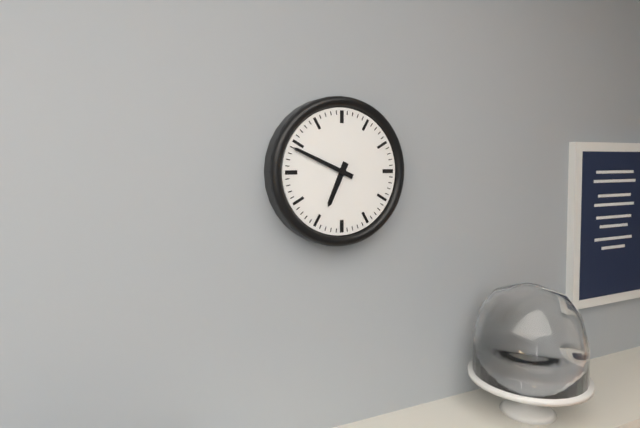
6:49
